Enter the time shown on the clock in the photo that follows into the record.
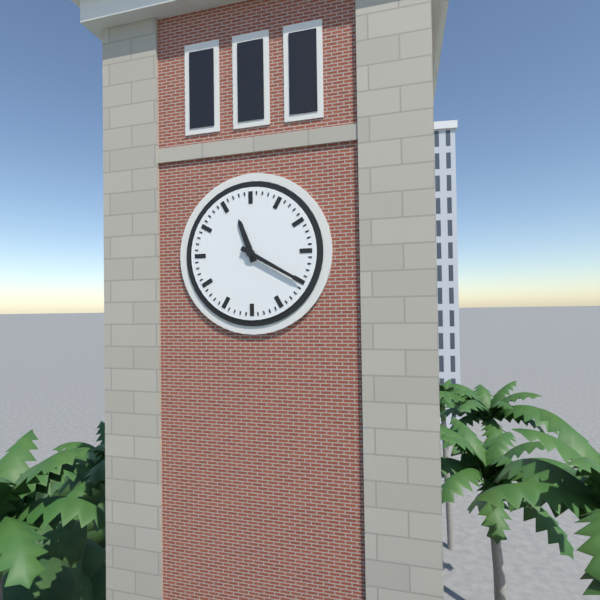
11:20
